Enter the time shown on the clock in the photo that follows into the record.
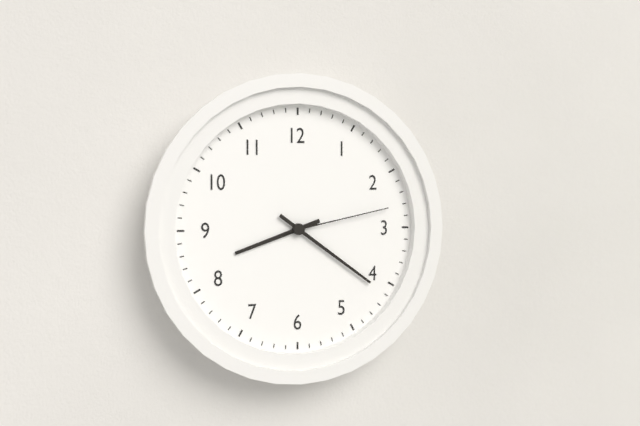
8:21:13
